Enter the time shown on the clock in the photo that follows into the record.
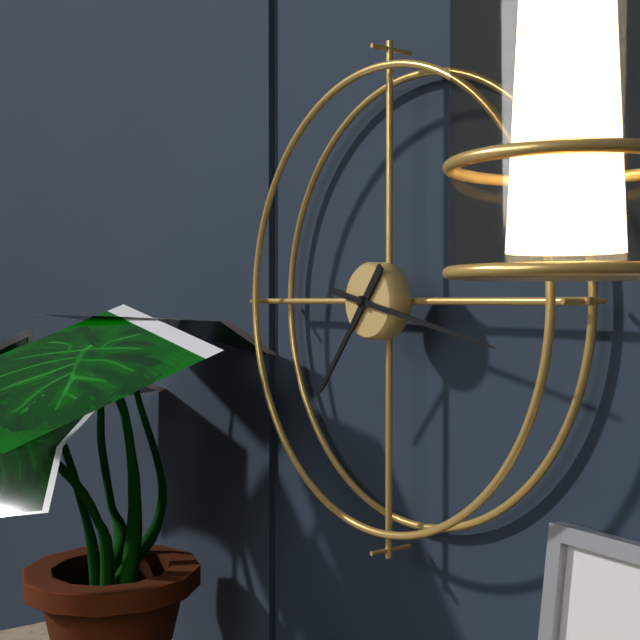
7:17
